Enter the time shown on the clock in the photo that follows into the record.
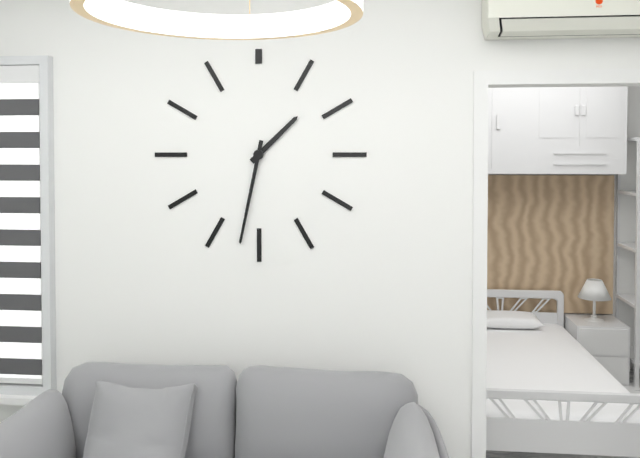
1:32
